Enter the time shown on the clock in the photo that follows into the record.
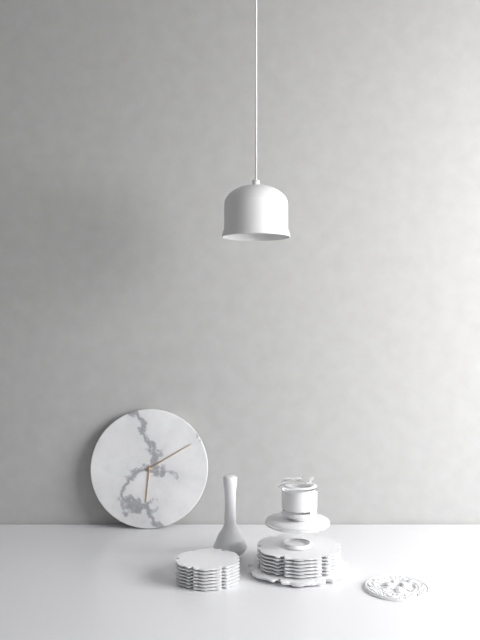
6:10
